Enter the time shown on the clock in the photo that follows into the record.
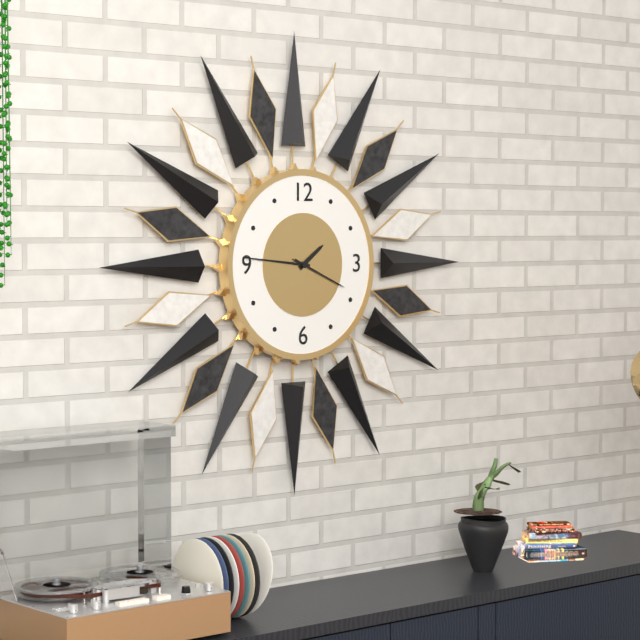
1:46:19
